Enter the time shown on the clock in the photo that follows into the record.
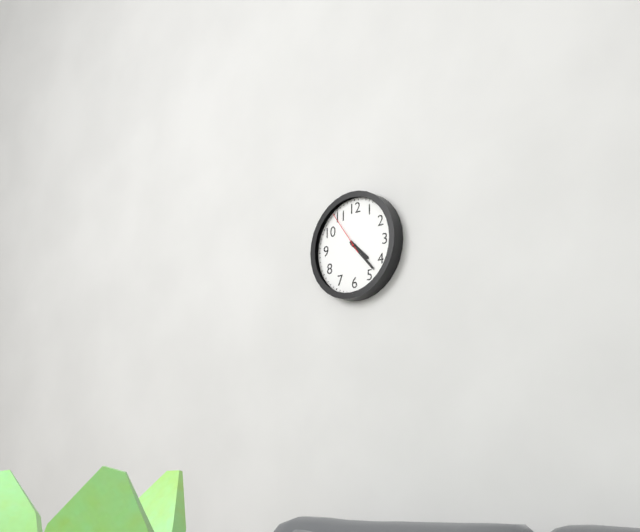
4:23:54
